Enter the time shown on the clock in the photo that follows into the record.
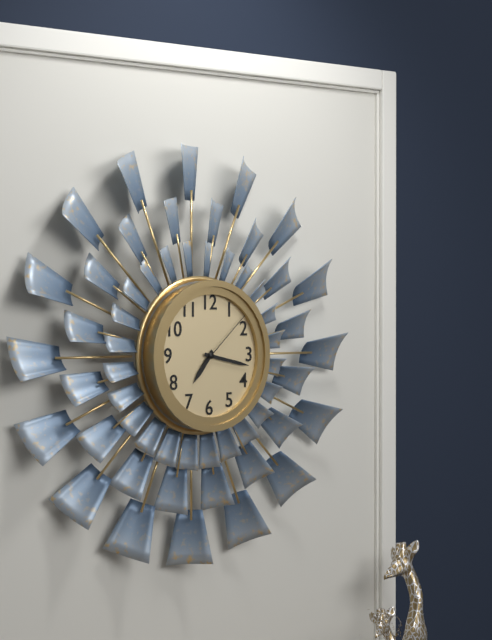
7:17:08
